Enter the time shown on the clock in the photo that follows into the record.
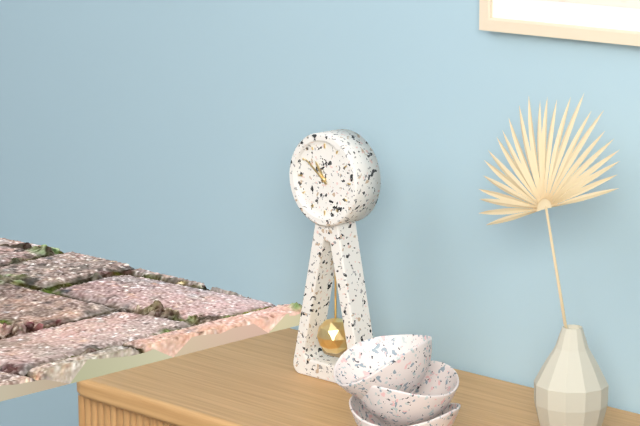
10:51
